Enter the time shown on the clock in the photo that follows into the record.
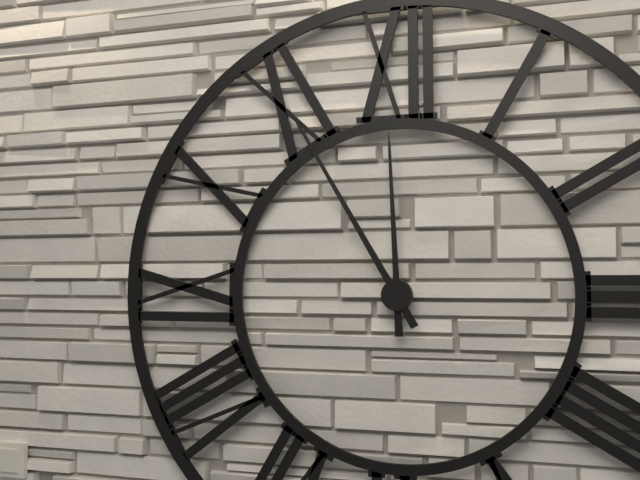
11:55
